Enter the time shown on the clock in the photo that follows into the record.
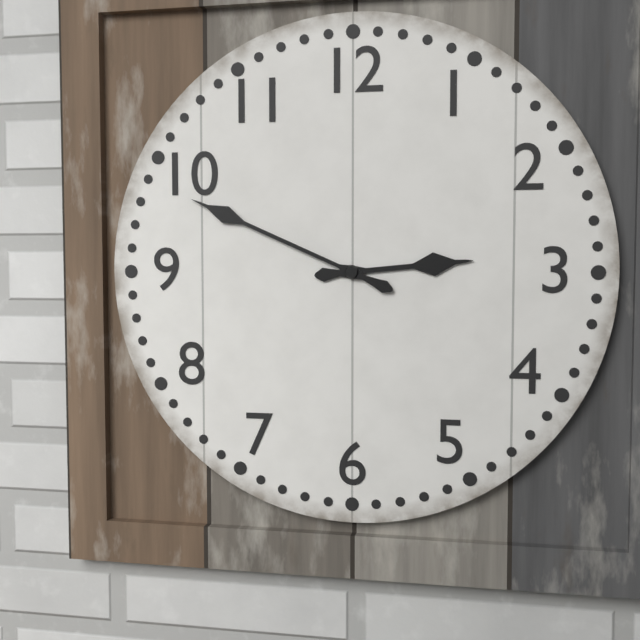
2:49
